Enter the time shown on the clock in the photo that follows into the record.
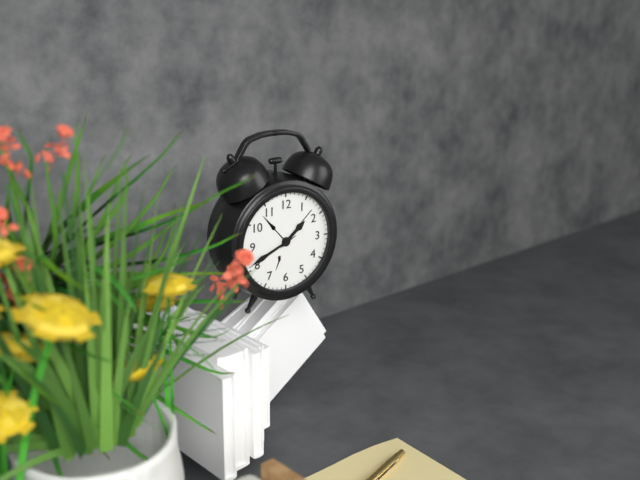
1:41:41
